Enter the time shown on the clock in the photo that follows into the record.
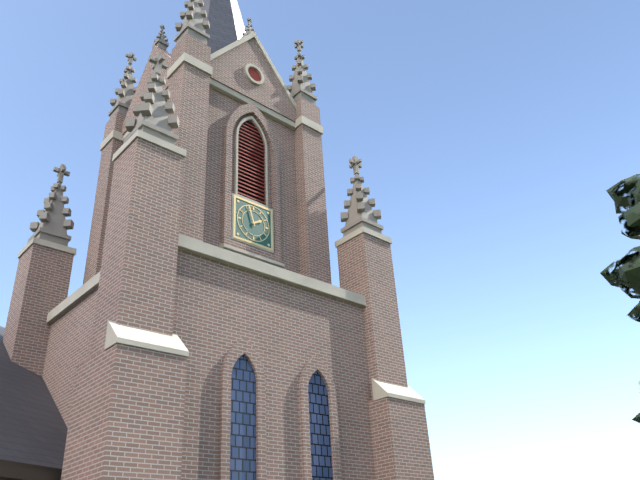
1:57
